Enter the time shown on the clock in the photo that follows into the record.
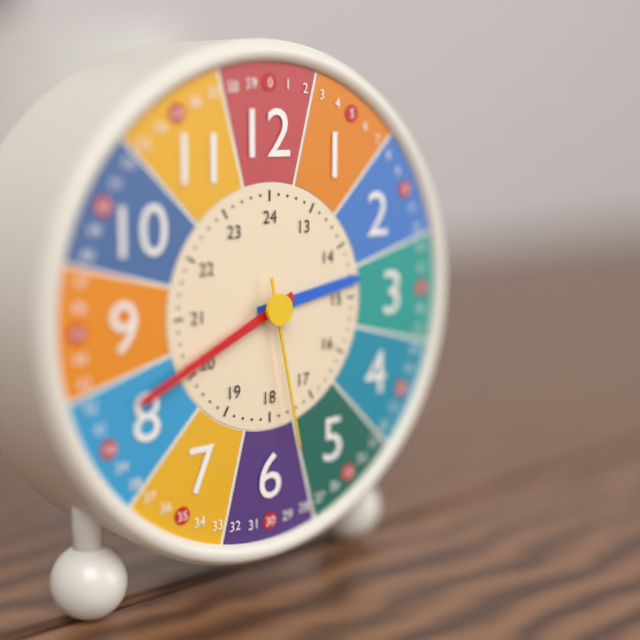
2:41:28
